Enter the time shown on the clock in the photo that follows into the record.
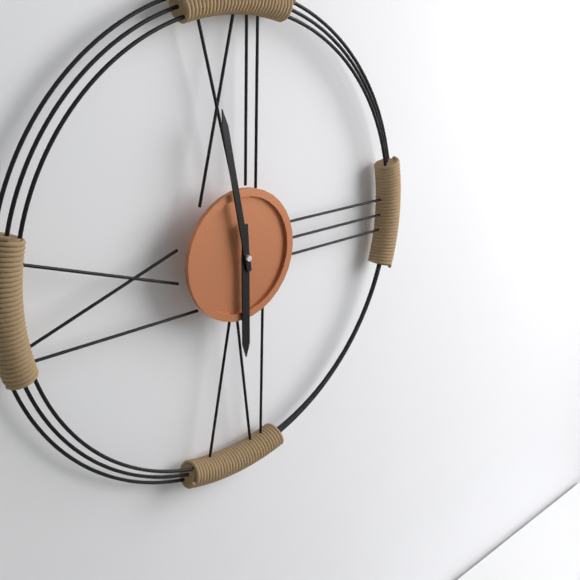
5:58
